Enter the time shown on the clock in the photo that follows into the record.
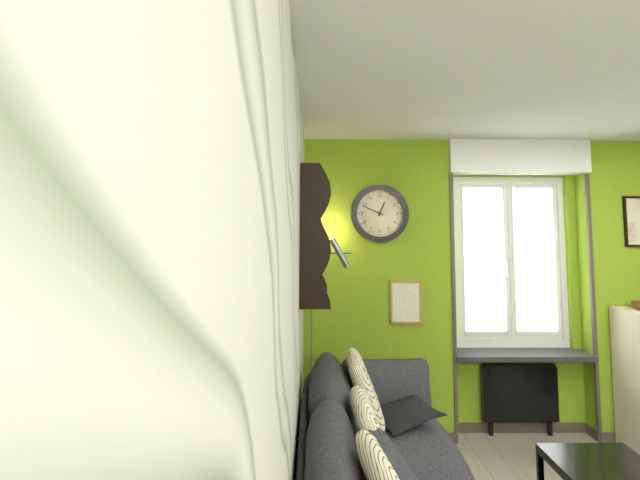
12:49
